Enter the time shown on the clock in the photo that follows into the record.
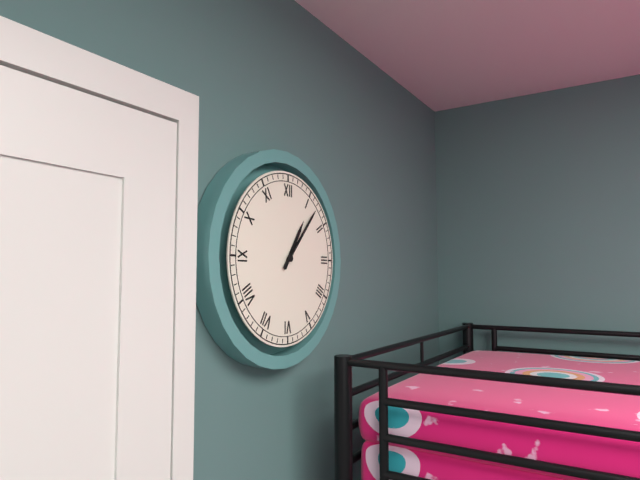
1:07
